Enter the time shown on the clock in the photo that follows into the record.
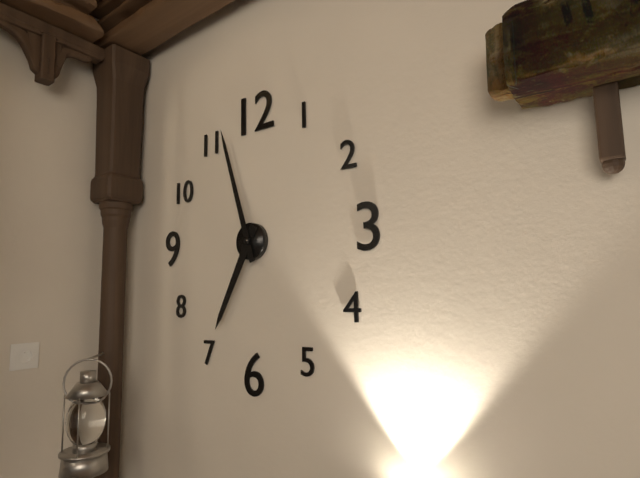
6:57
